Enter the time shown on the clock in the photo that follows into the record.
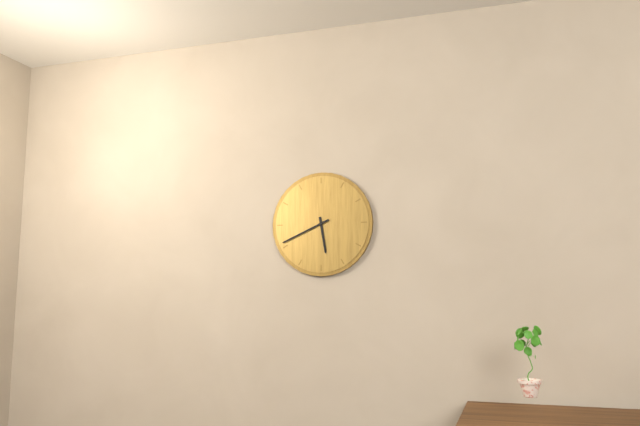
5:41
